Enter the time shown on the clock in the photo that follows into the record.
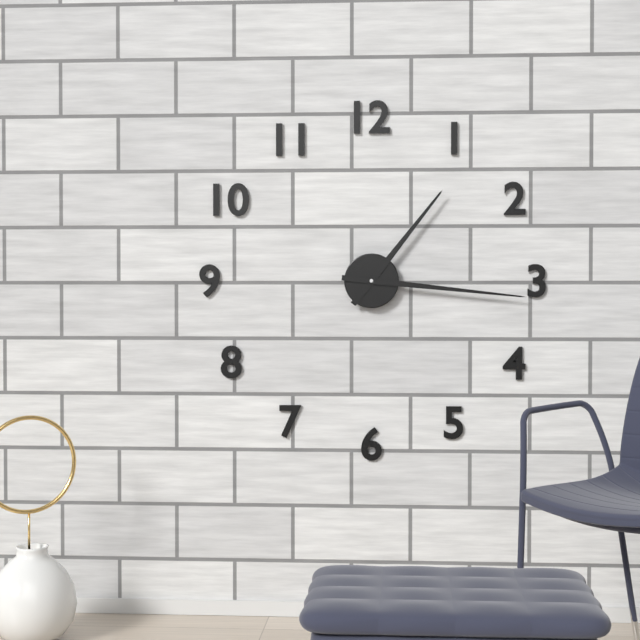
1:16
